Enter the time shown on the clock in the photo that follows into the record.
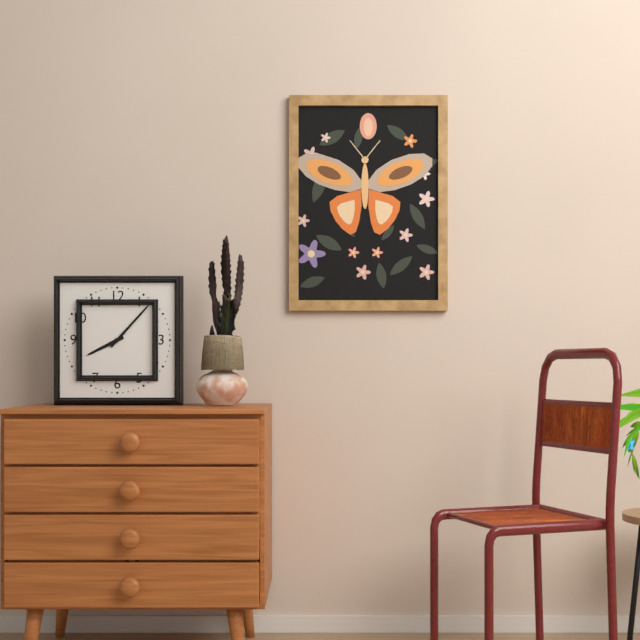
8:07
